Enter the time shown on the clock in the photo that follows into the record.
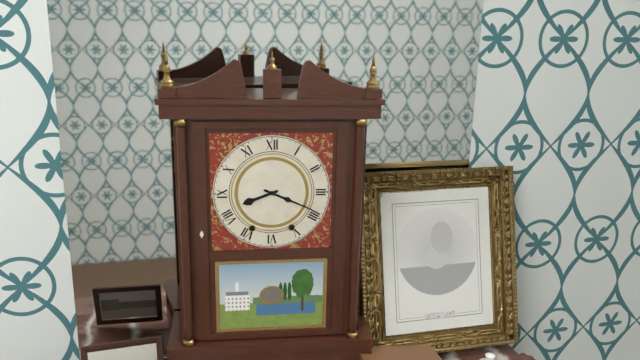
8:19
